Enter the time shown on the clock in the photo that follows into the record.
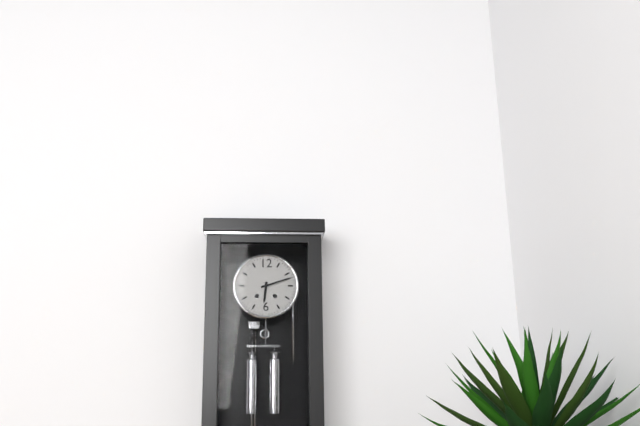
6:12
